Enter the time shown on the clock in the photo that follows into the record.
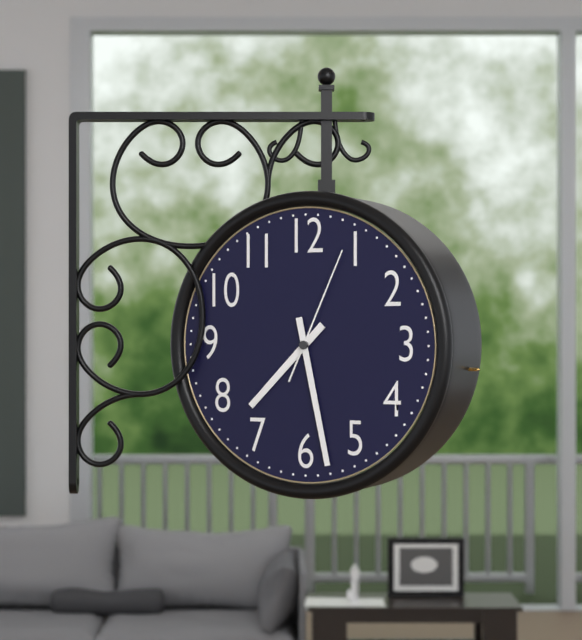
7:28:04
